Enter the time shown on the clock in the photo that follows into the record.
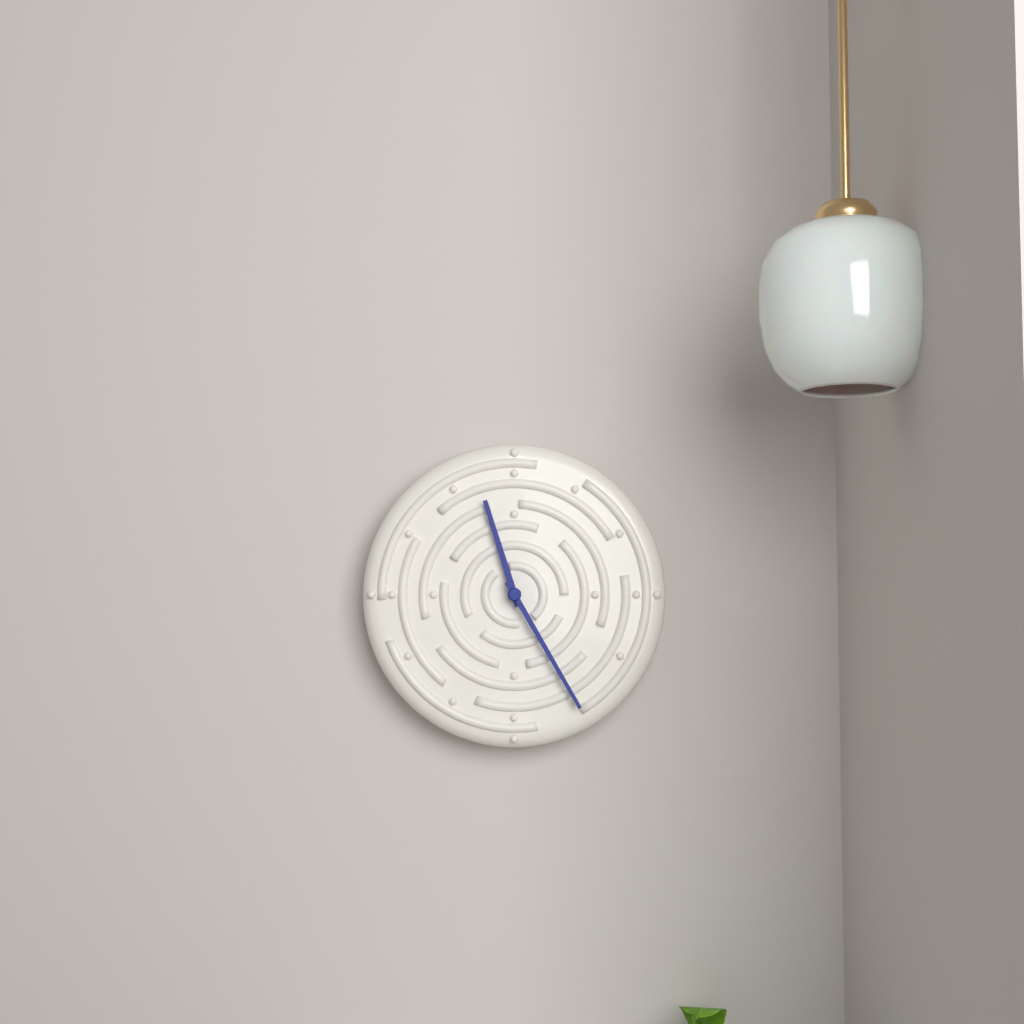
11:25
